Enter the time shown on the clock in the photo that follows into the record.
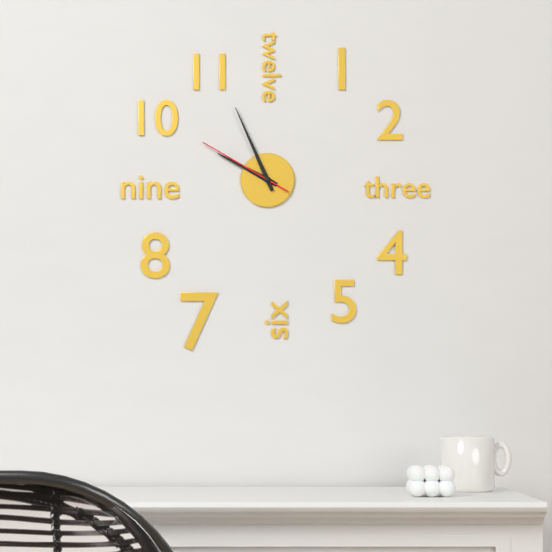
9:56:50
